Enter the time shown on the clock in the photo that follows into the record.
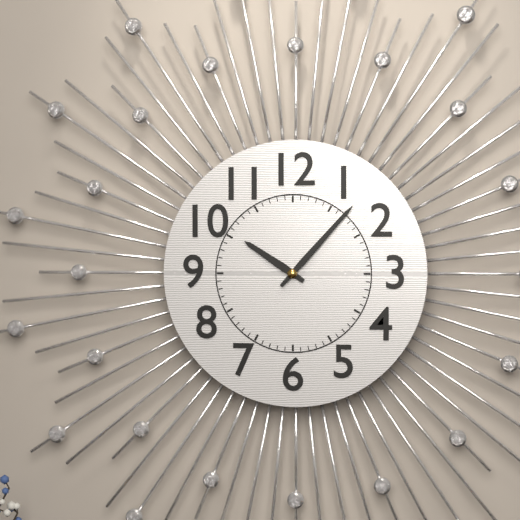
10:07
